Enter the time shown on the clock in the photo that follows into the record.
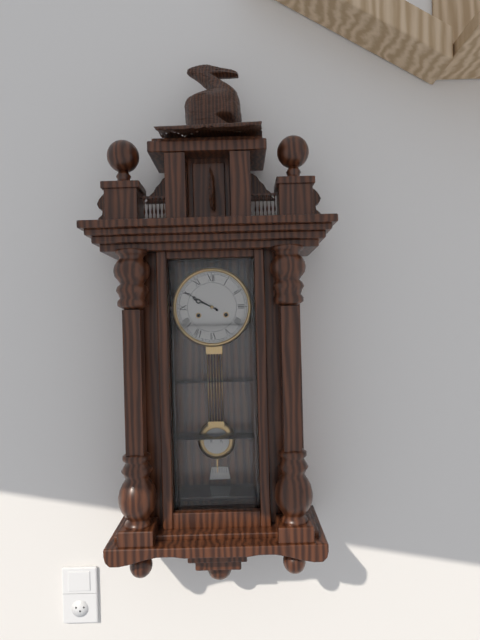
9:50
